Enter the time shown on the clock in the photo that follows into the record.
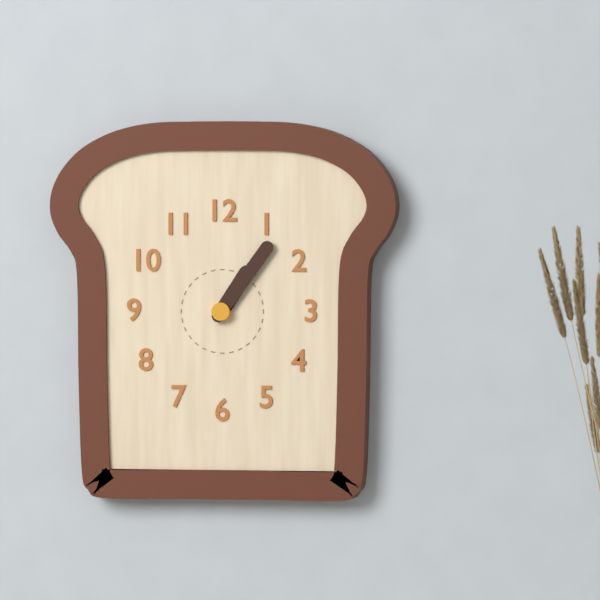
1:06
